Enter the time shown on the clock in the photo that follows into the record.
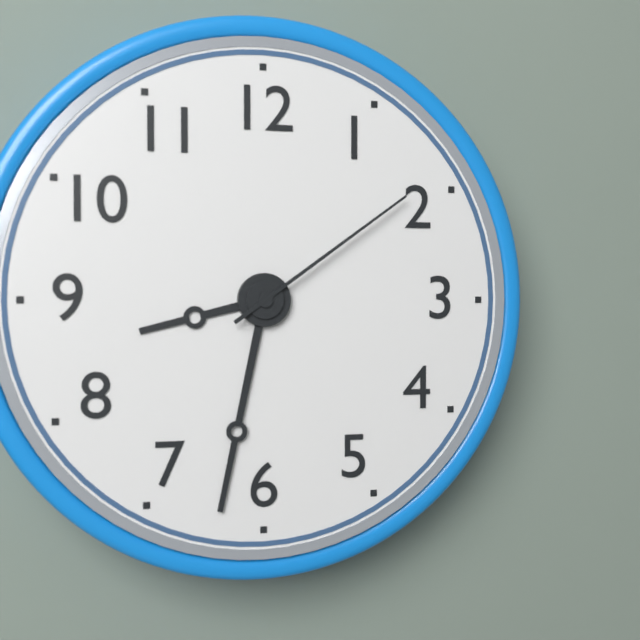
8:32:09
